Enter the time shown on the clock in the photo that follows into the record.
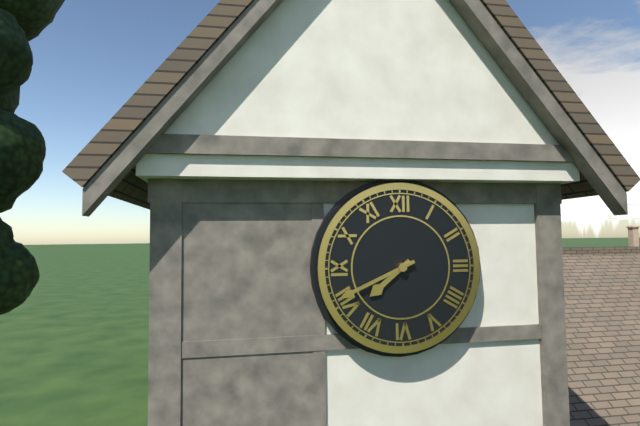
7:41
